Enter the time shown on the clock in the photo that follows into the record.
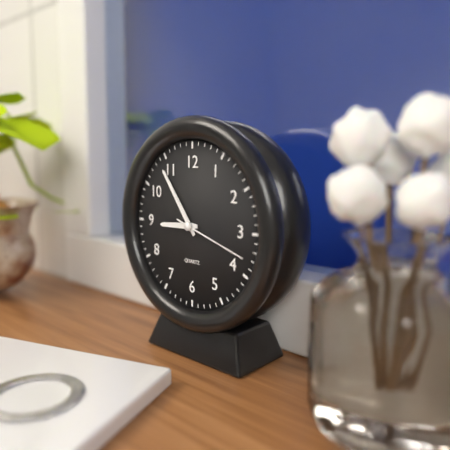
8:54:18
